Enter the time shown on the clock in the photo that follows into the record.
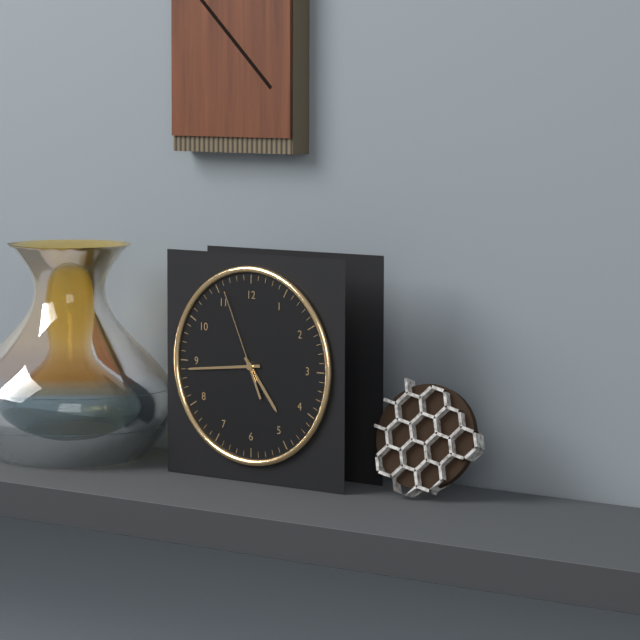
4:44:56
